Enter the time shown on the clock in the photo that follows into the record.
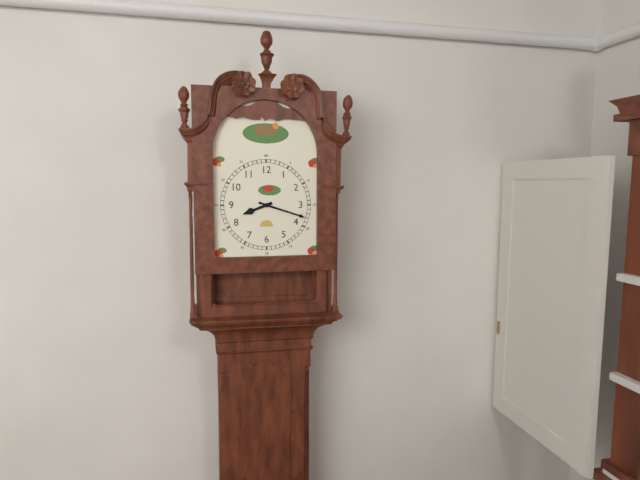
8:18
